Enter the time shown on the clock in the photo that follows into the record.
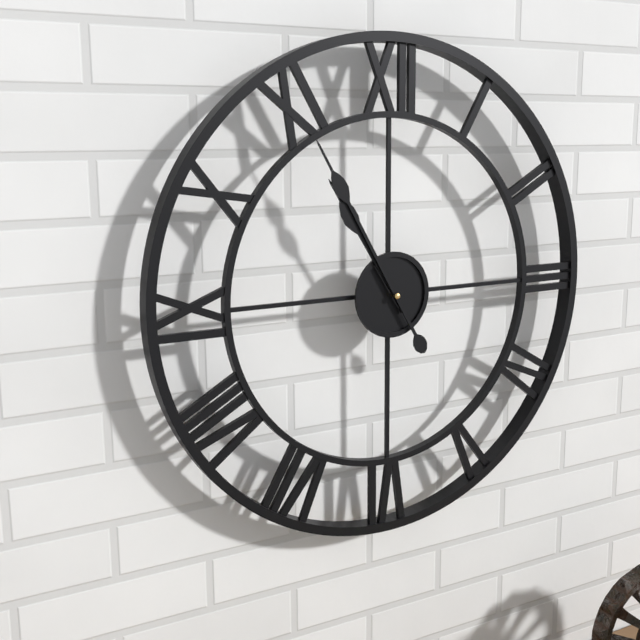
10:55
